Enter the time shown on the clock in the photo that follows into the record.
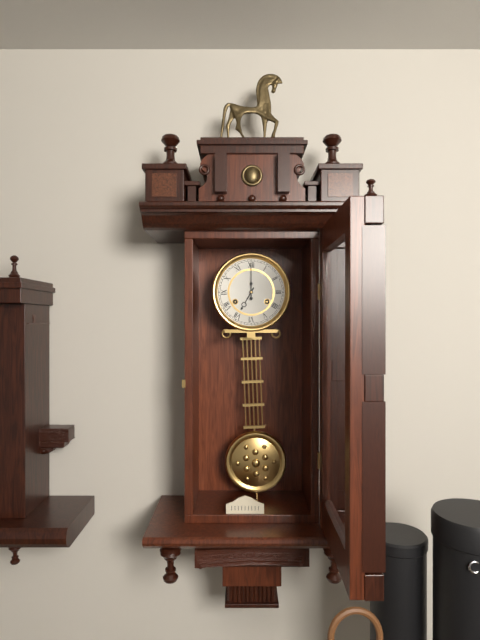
7:00
